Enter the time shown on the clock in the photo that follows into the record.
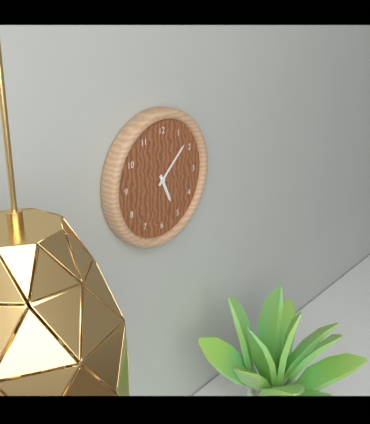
5:08
